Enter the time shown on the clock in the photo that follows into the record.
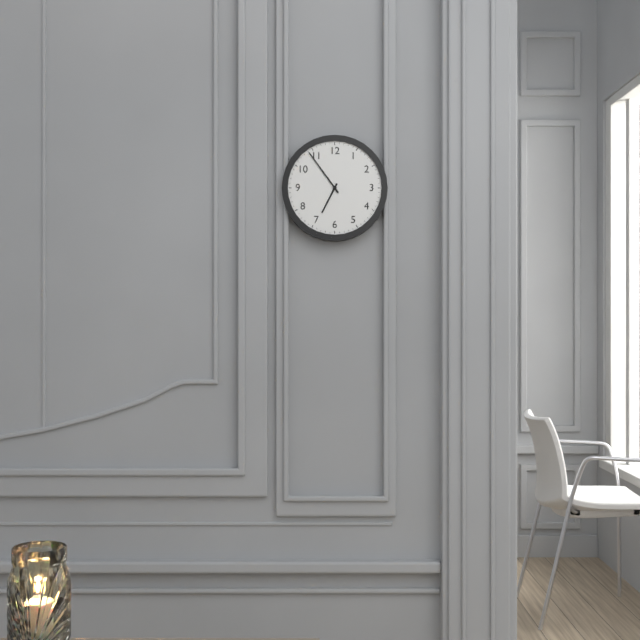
6:54
